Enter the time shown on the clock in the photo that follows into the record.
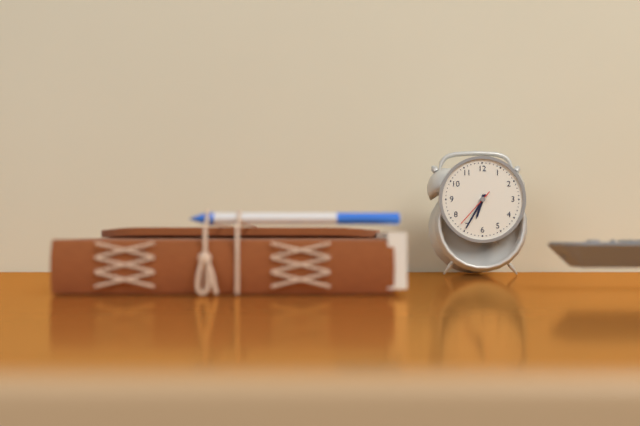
6:35
